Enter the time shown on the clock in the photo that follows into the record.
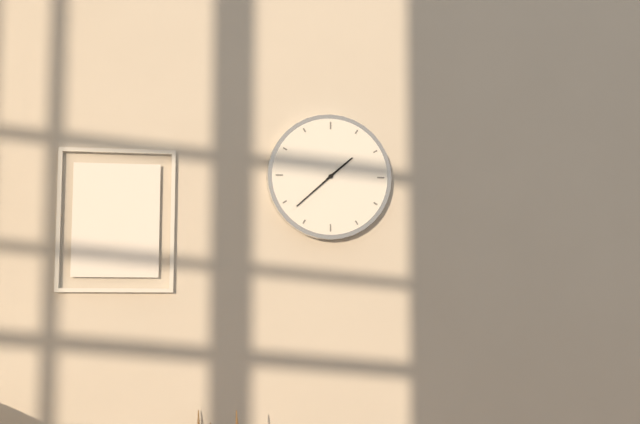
1:38
